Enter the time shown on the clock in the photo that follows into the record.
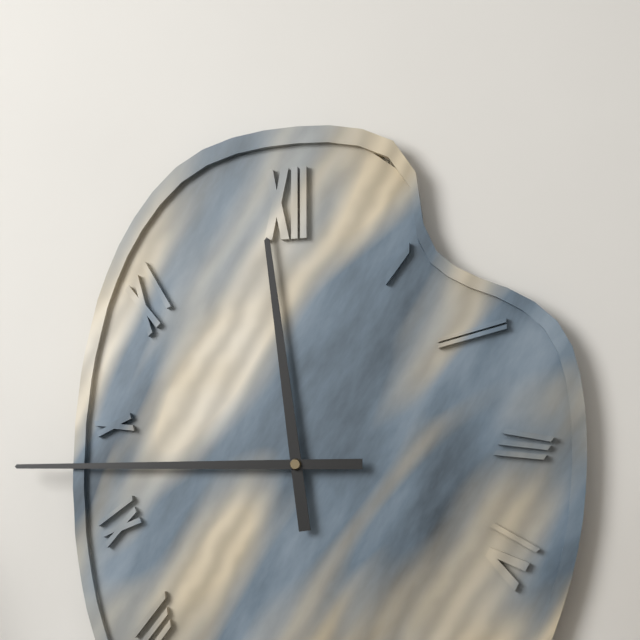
11:45
